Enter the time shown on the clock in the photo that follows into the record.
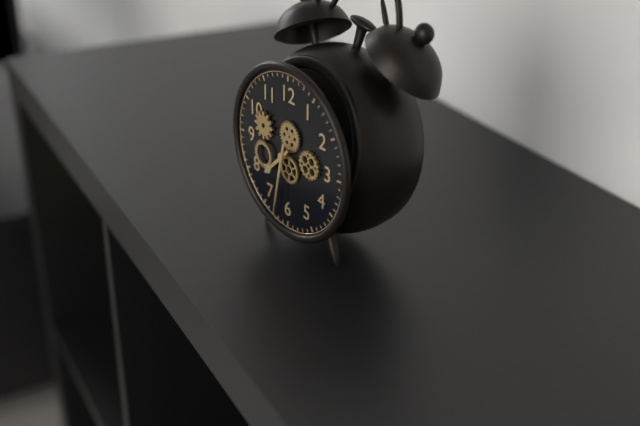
7:32
